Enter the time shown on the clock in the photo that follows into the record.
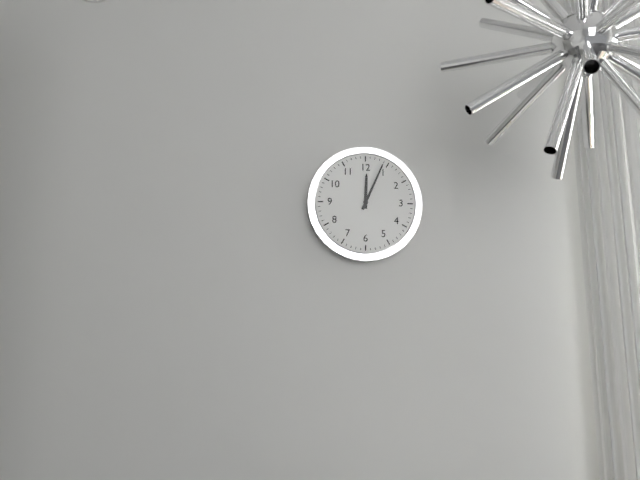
12:04
